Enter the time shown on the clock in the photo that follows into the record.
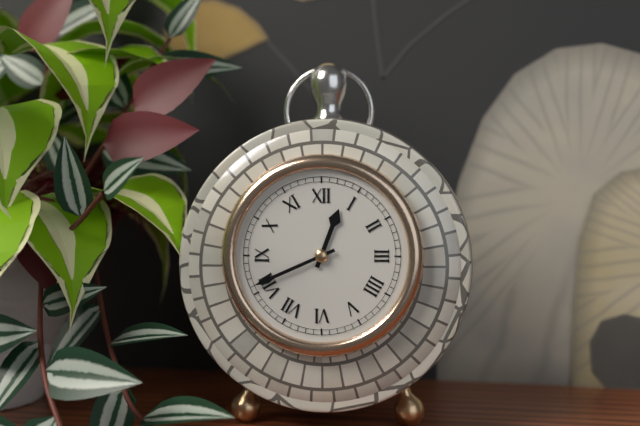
12:41
